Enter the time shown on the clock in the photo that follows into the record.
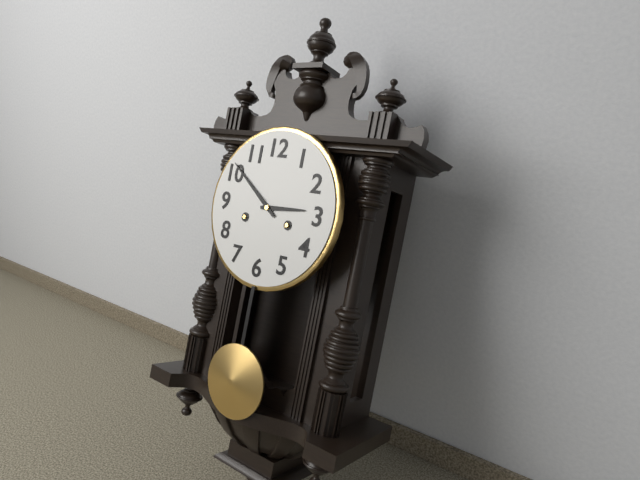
2:51
